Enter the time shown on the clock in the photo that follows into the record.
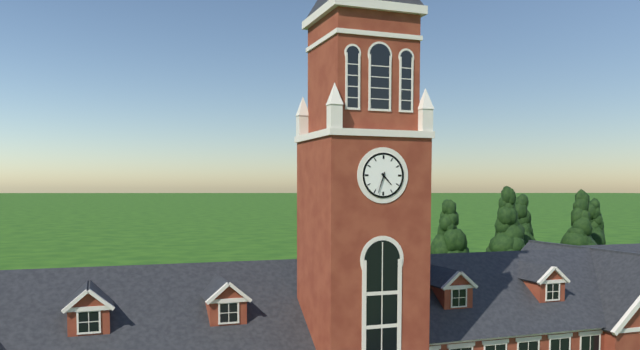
4:33
